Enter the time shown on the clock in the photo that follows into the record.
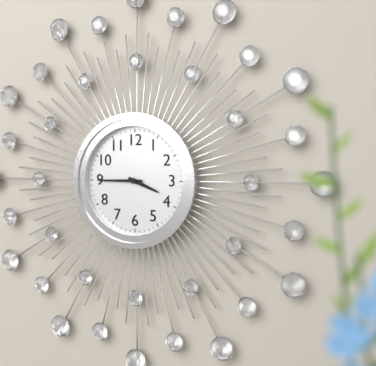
3:45
